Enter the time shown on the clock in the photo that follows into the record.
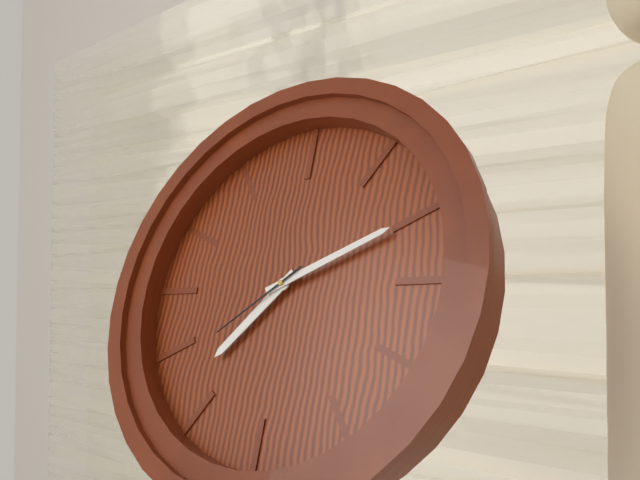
10:26:54
